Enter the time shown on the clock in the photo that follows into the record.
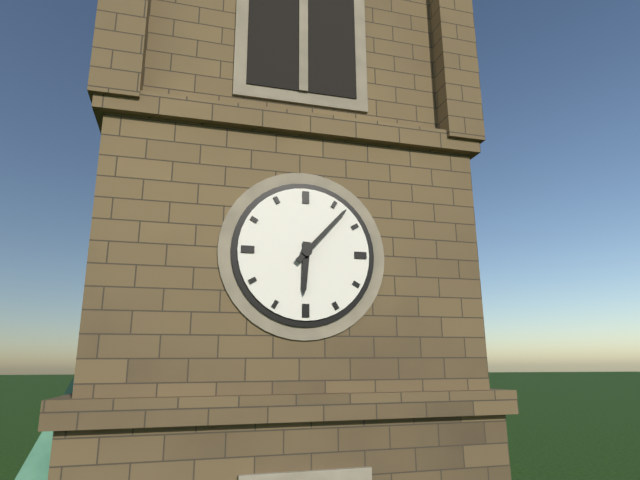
6:07
